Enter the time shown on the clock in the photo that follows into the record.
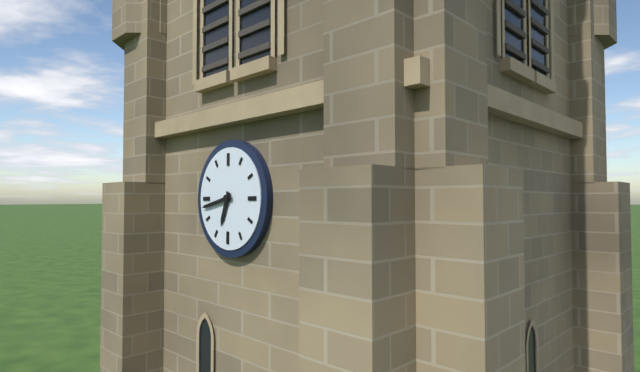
6:43
